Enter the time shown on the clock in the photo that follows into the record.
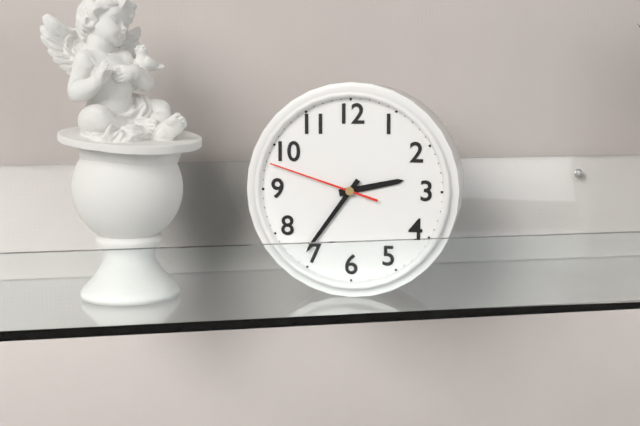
2:36:48
